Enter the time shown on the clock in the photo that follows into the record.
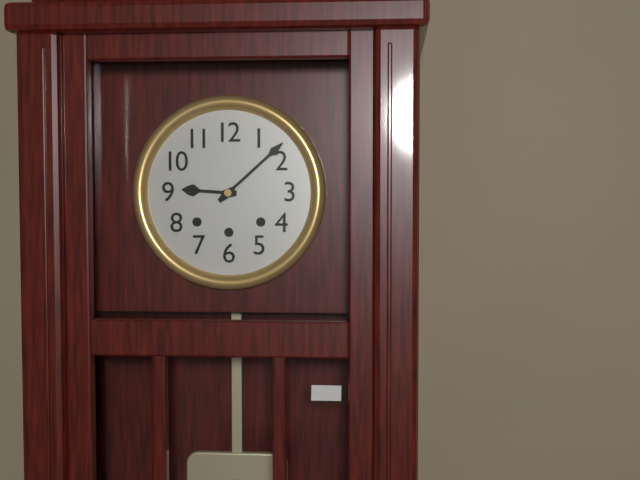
9:08
